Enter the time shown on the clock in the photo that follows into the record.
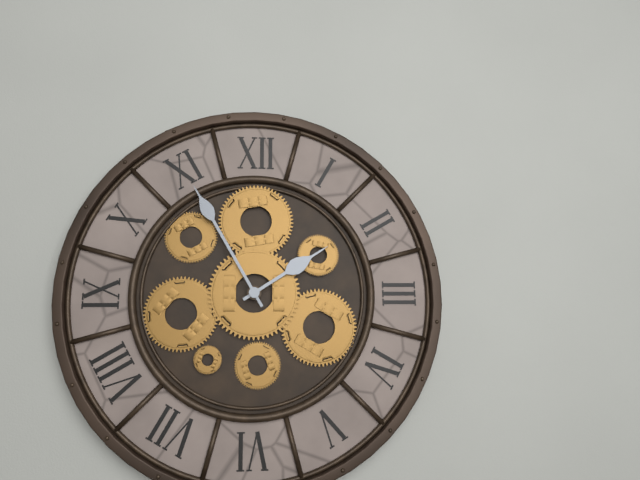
1:55
